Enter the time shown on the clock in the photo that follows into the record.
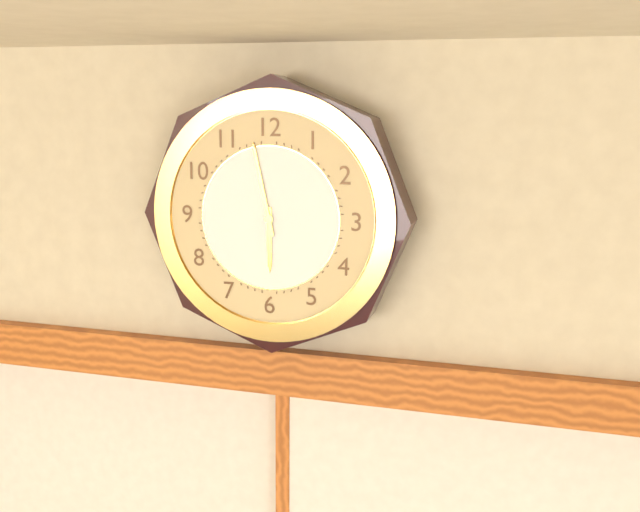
5:58
